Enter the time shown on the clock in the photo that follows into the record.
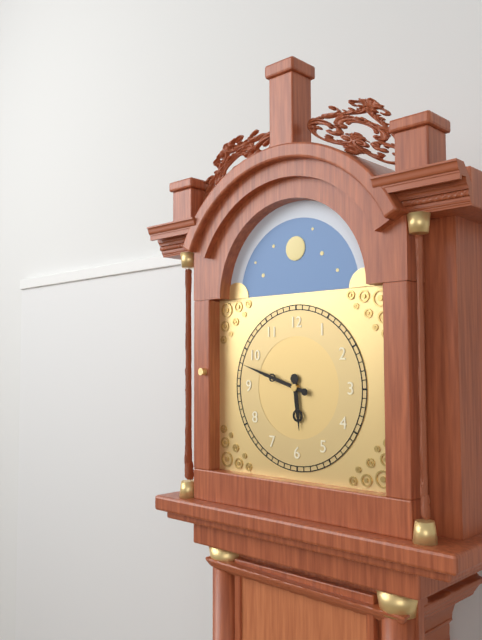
5:48
